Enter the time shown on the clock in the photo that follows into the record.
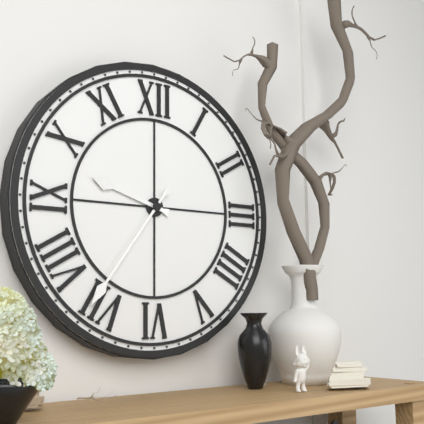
9:36
